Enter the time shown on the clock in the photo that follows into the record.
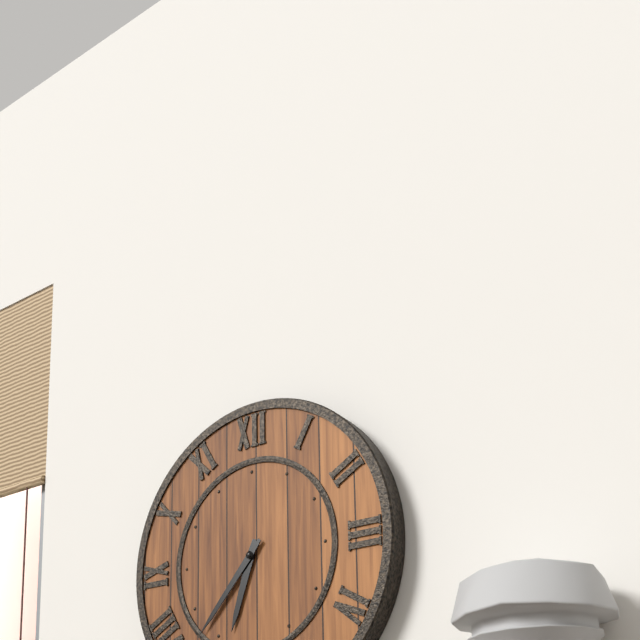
6:37
